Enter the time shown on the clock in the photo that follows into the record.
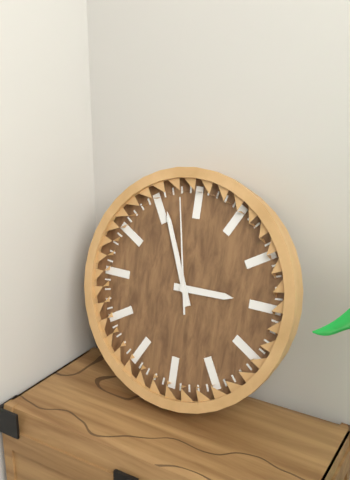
2:56:58
